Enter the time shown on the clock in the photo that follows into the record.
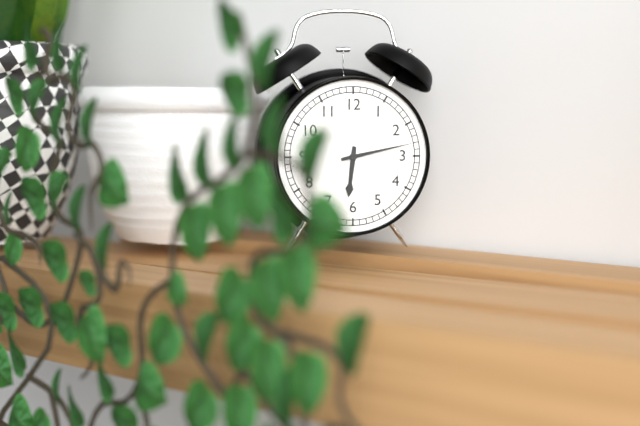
6:13
